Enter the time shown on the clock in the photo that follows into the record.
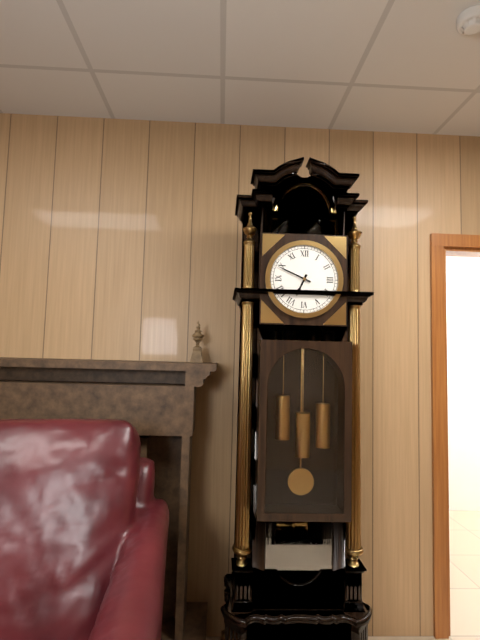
6:49
